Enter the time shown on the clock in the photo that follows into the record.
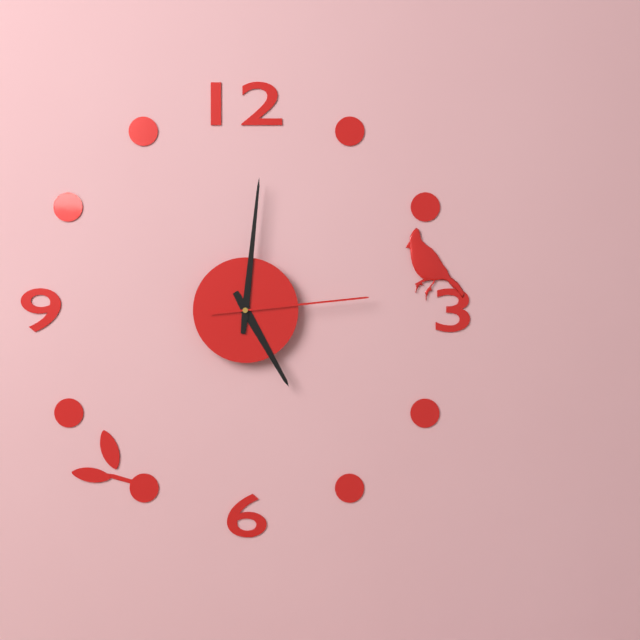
5:01:14
